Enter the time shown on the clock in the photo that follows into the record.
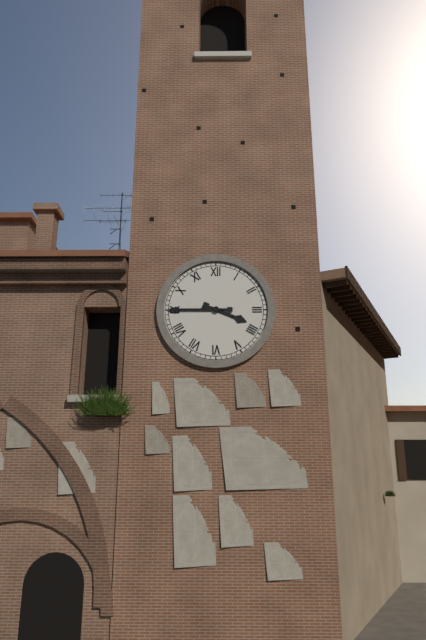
3:45
